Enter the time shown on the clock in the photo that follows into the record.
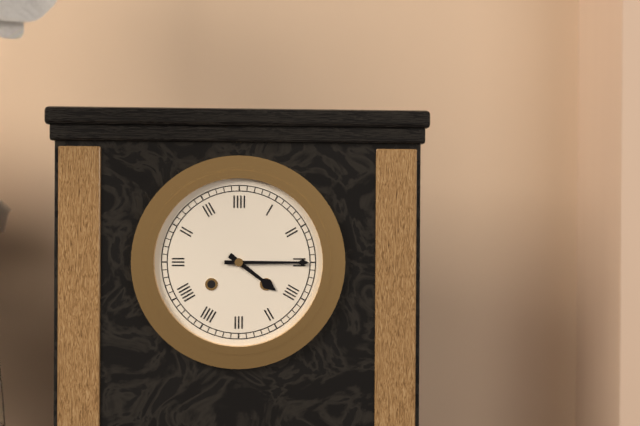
4:15
